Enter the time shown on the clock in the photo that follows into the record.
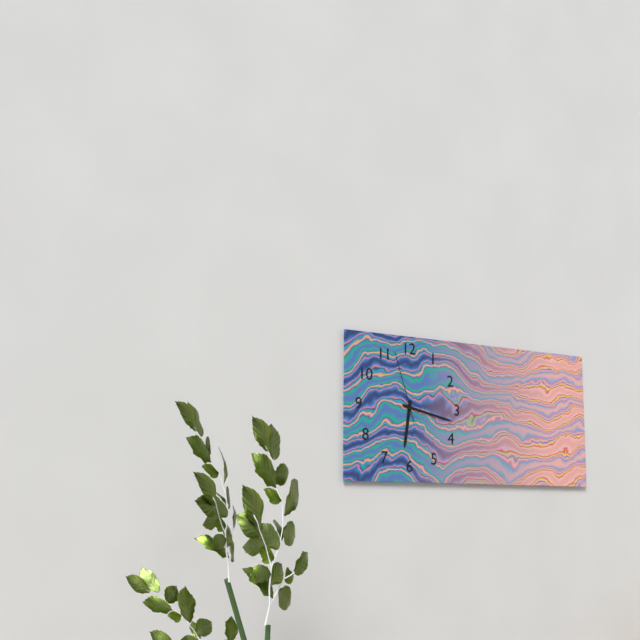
6:17:57
